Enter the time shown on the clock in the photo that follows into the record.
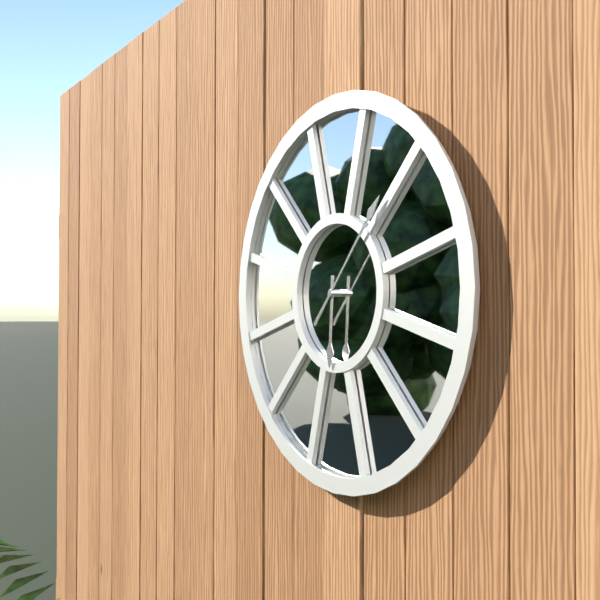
6:07
